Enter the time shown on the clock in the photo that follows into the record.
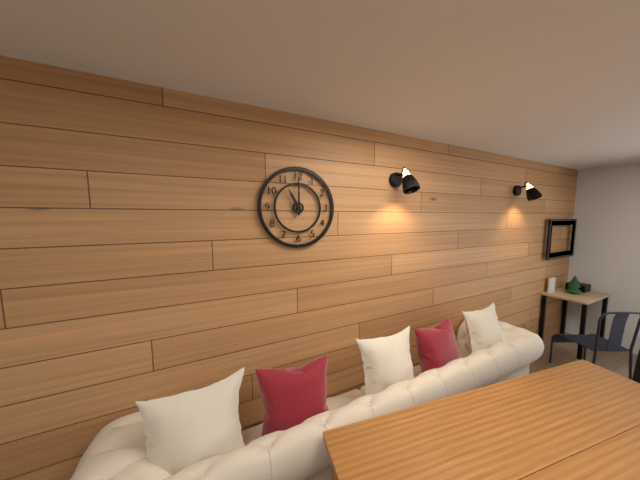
11:00
